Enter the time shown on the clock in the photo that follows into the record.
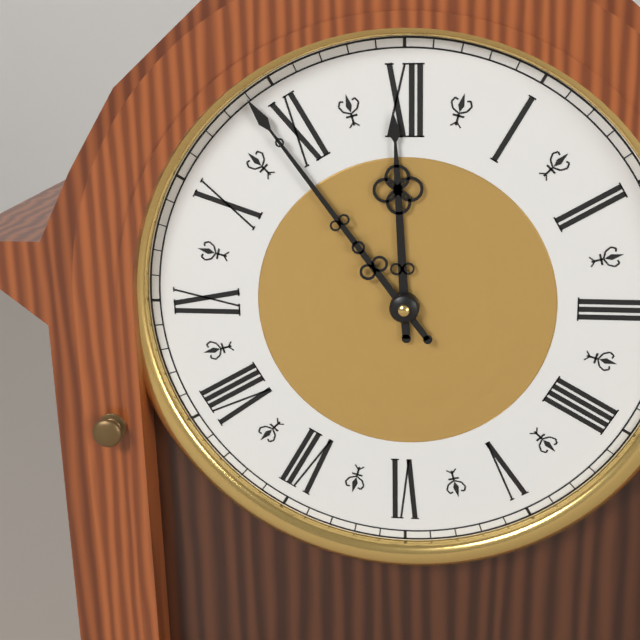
11:54
